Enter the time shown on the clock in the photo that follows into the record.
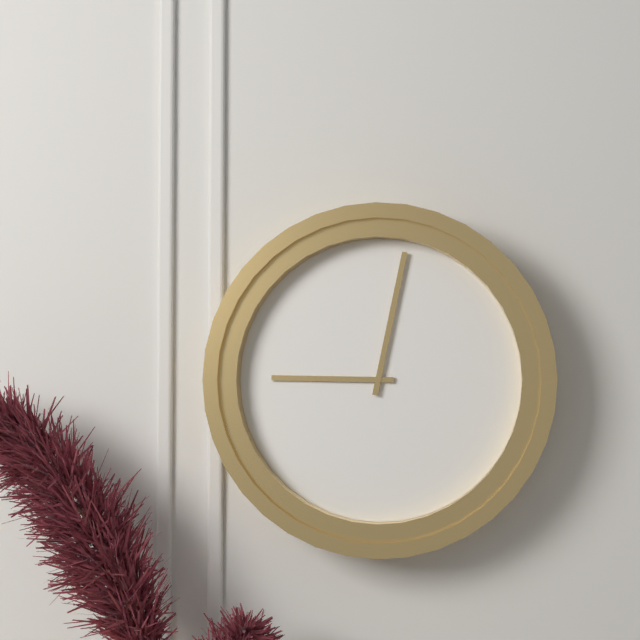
9:02
